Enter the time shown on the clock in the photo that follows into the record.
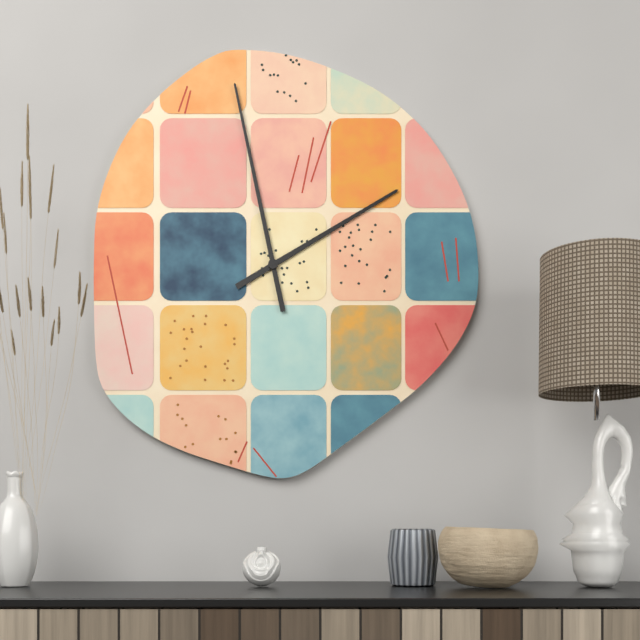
1:58
